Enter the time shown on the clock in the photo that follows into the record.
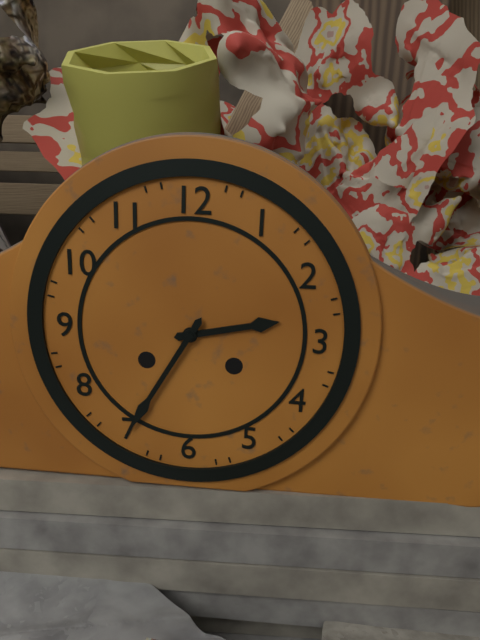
2:35
